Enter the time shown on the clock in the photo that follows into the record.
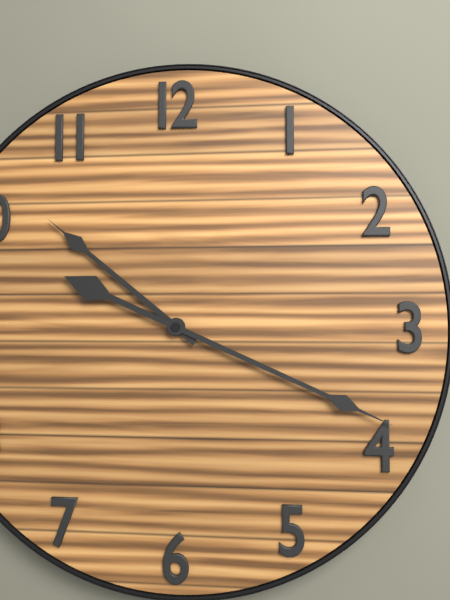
10:19
